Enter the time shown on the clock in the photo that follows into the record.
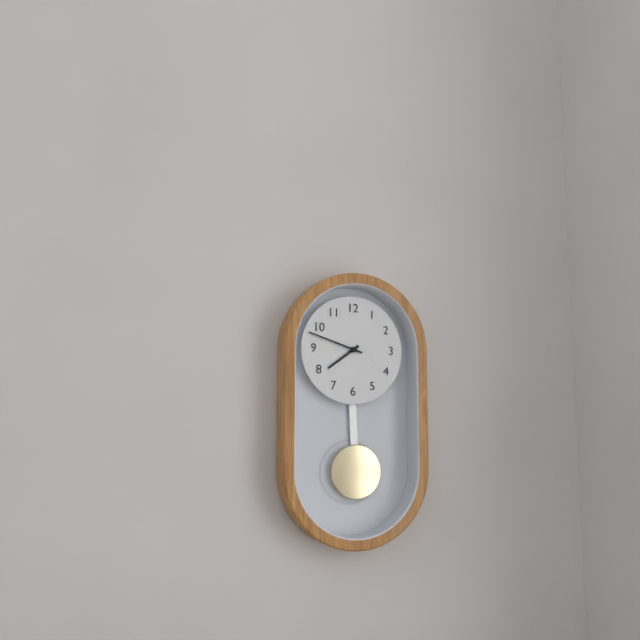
7:48
